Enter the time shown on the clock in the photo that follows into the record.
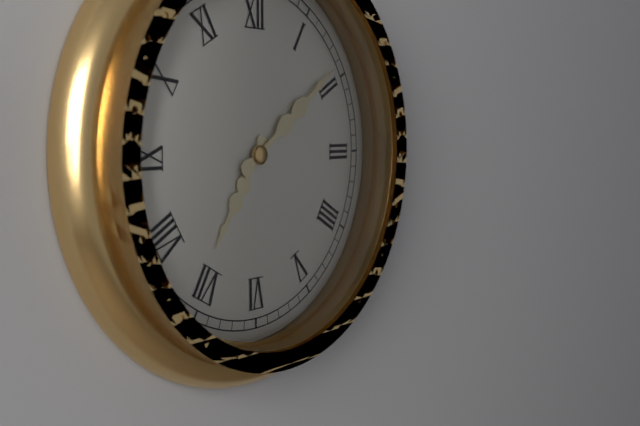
7:09
